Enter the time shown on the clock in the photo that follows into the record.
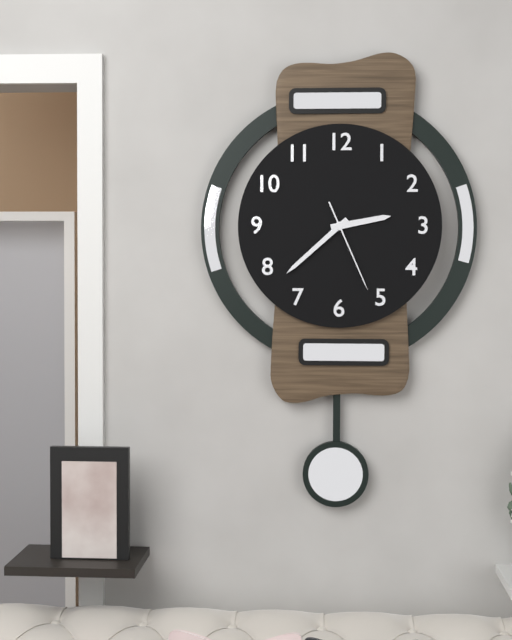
2:38:26
